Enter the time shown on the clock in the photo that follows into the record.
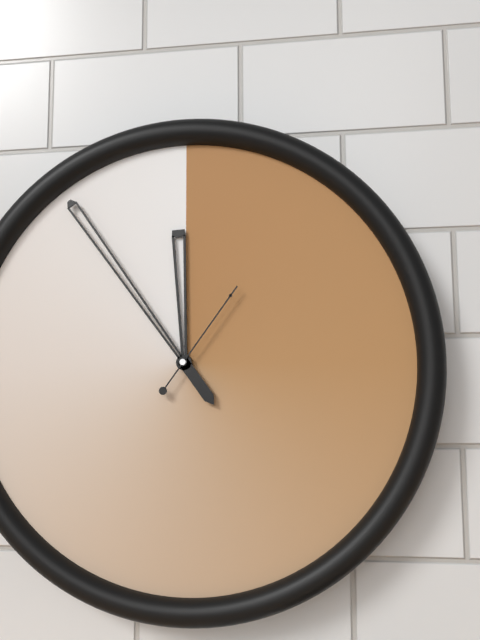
11:54:06
